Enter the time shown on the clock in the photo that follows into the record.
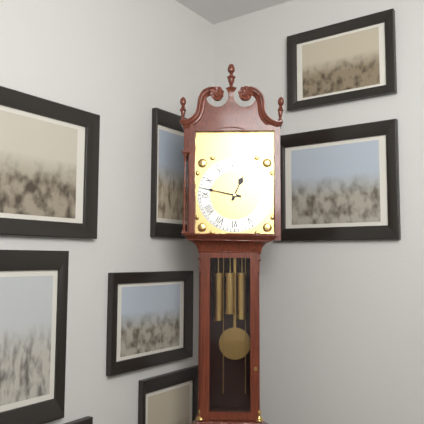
12:47
